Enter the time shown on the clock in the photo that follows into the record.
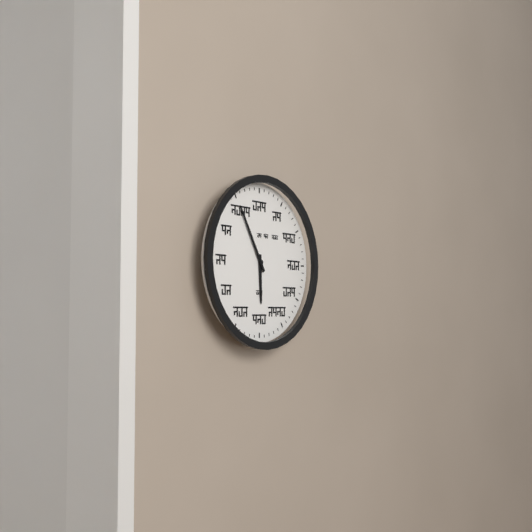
5:55
